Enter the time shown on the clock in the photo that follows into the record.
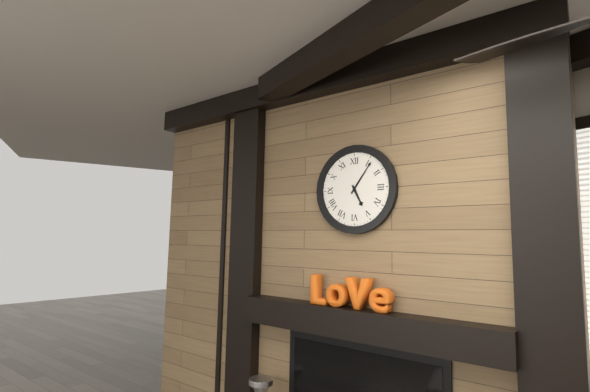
5:06
